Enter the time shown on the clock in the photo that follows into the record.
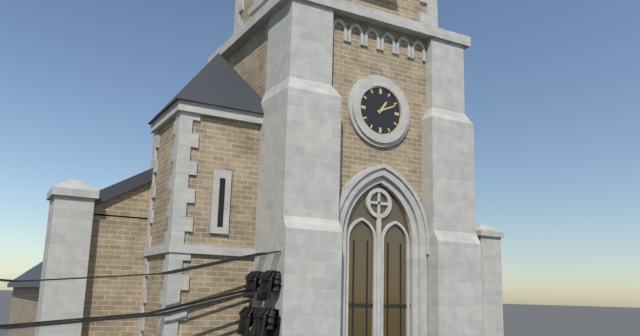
1:11
